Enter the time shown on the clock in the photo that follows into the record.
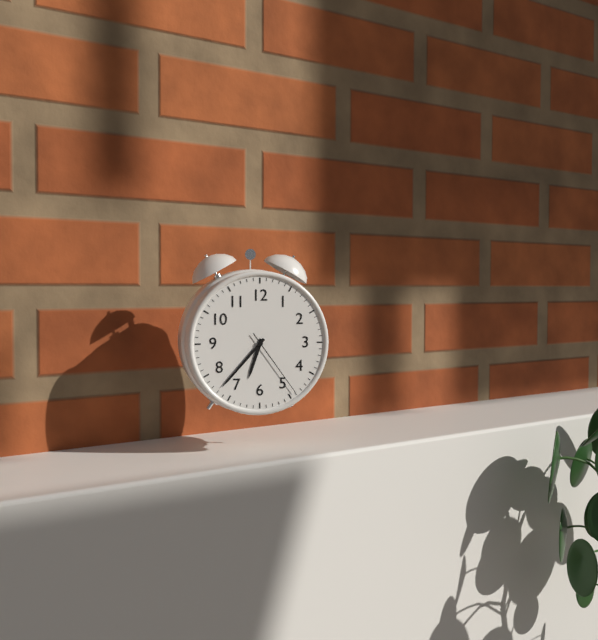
6:37:24
